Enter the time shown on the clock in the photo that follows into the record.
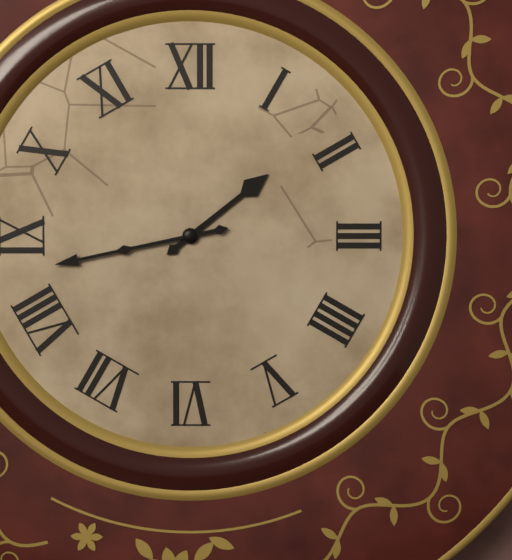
1:43
